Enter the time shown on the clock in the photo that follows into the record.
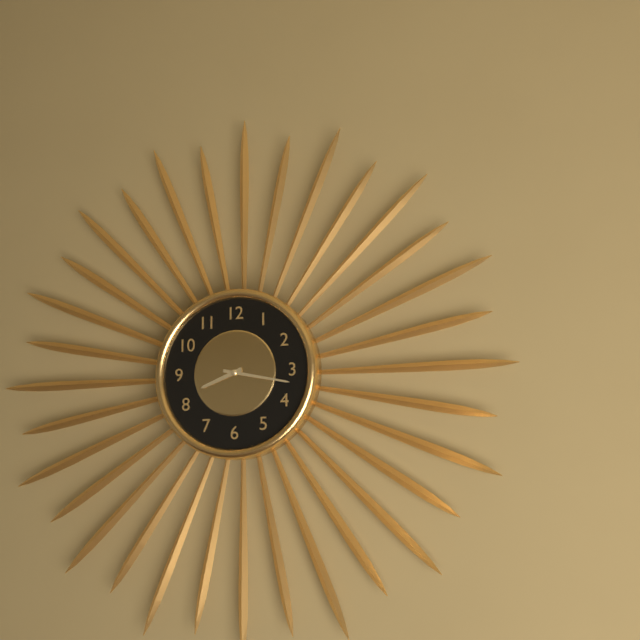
8:17
